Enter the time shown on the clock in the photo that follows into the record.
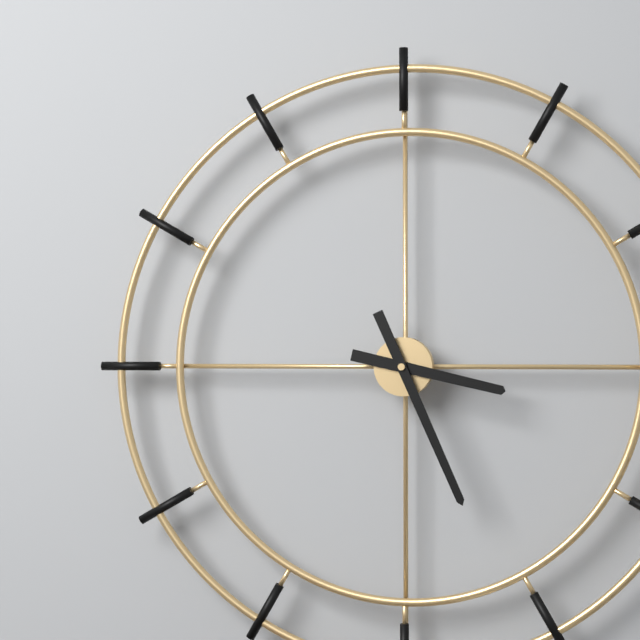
3:26
